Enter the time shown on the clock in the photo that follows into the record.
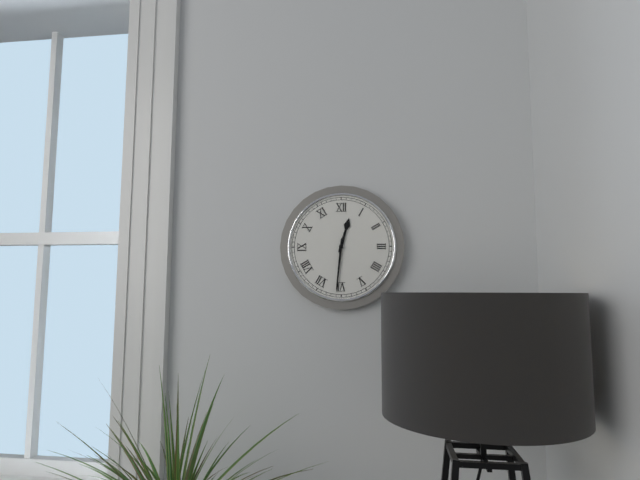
12:31
